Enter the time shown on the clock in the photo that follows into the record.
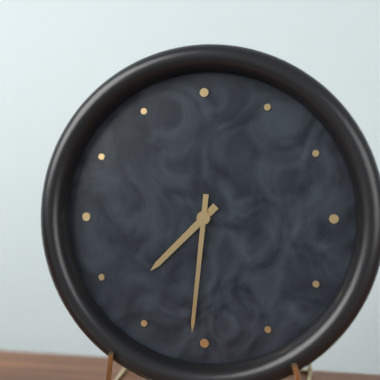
7:31
